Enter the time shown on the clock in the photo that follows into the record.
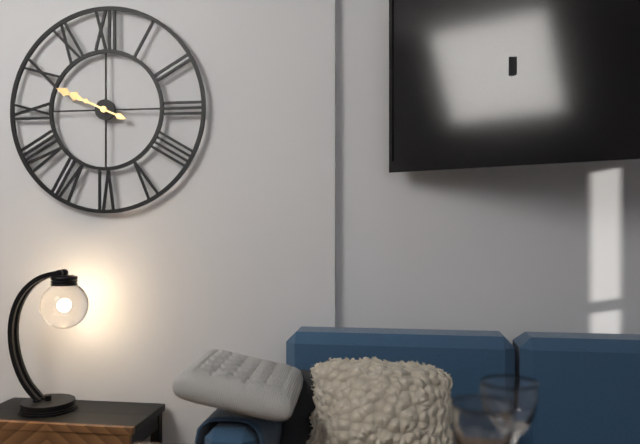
9:49
